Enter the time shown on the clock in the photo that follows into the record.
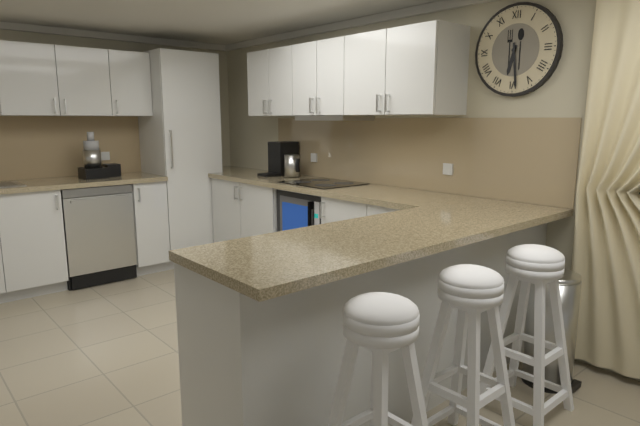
6:29
